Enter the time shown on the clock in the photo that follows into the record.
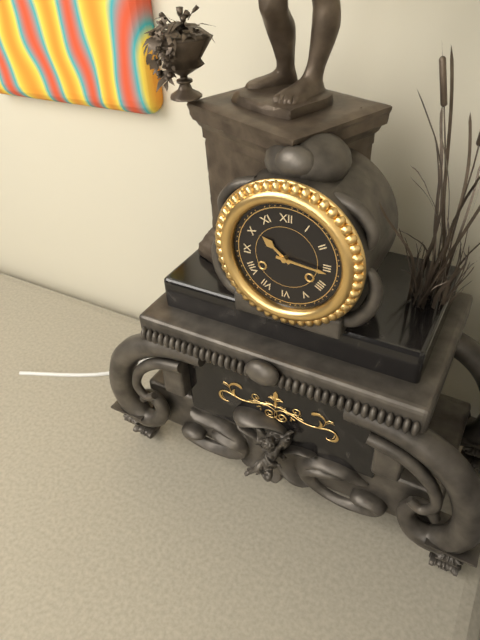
10:16
